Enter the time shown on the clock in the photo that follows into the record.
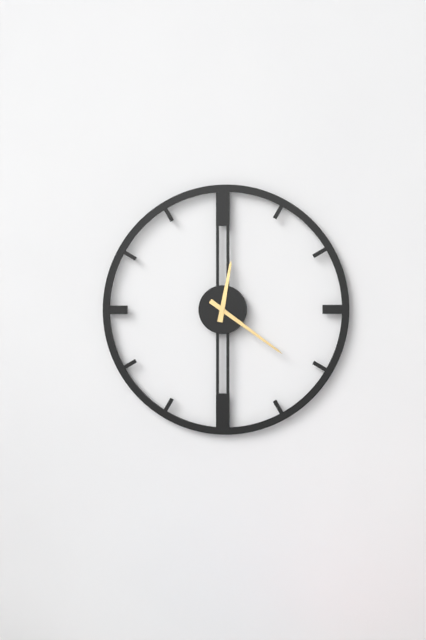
12:21
